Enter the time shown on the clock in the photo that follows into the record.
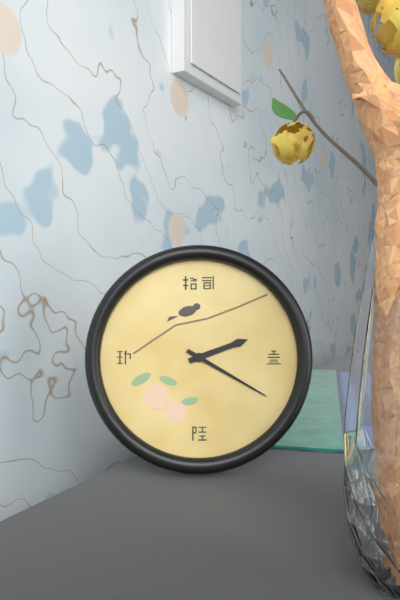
2:20
